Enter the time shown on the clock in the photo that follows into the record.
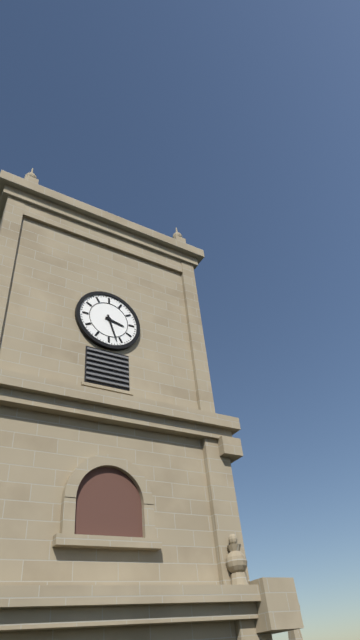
3:27
